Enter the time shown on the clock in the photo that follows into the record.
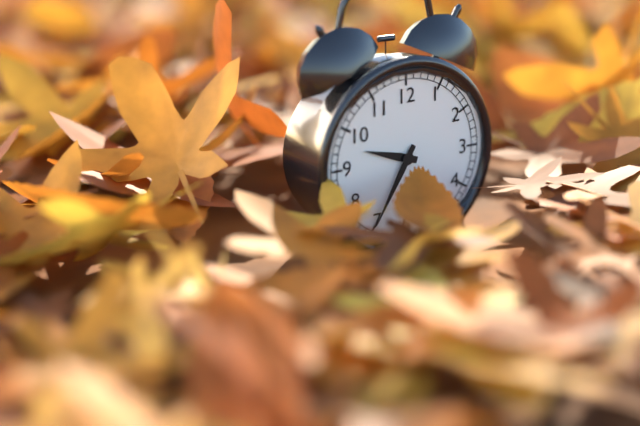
9:35
